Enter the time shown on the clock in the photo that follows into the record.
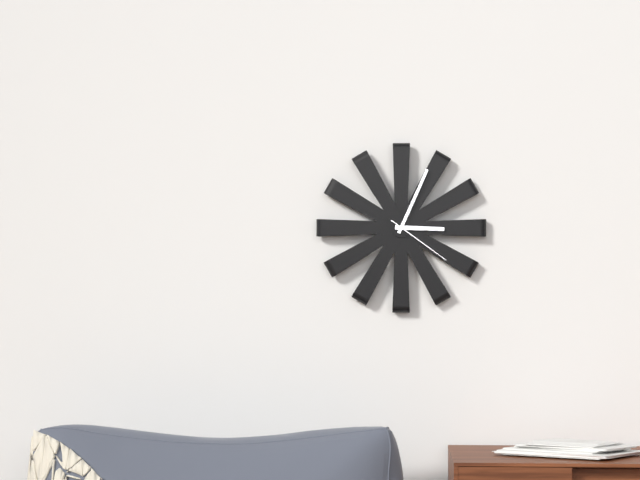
3:04:21
